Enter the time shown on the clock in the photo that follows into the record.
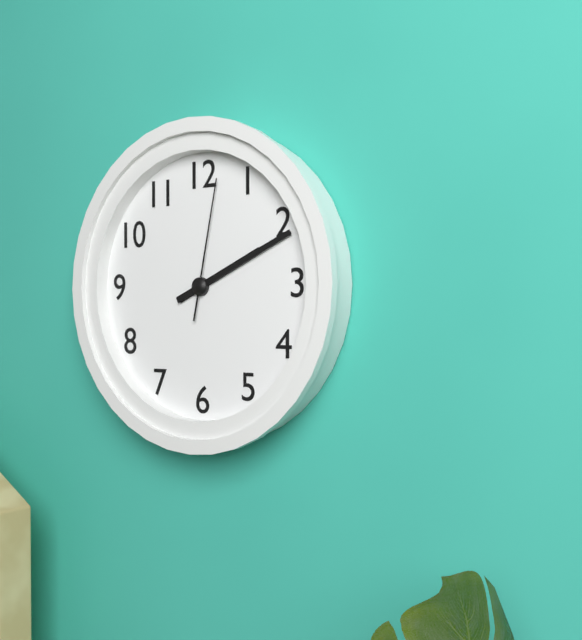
2:11:02
